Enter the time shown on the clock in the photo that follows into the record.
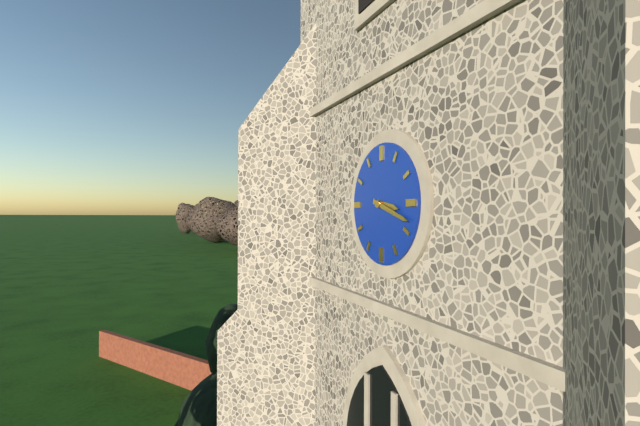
3:18
